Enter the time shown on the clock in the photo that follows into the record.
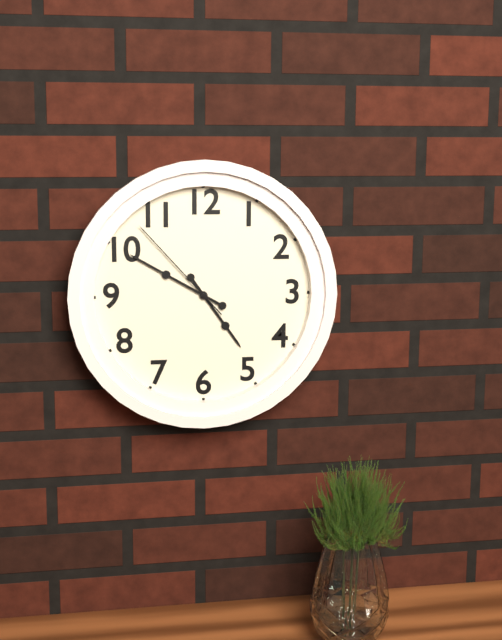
4:50:53
